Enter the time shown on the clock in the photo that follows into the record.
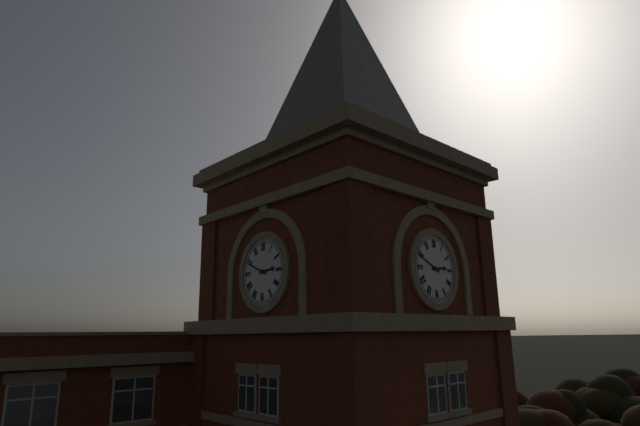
2:49
